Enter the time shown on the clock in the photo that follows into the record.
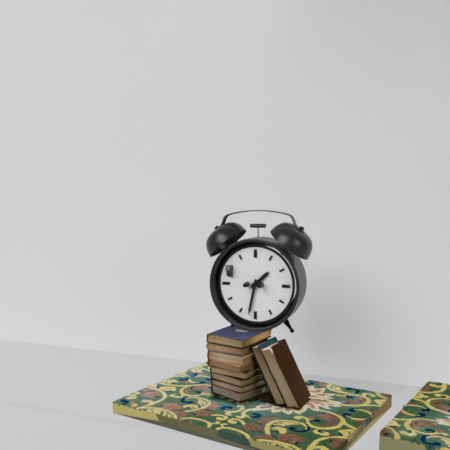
1:32
